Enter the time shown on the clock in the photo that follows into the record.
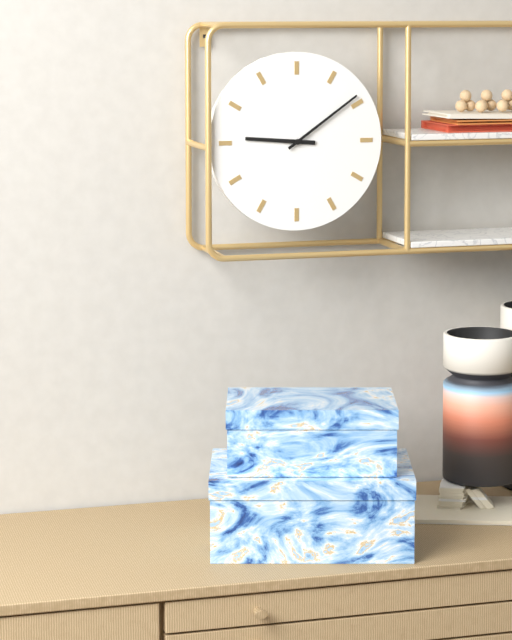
9:09
